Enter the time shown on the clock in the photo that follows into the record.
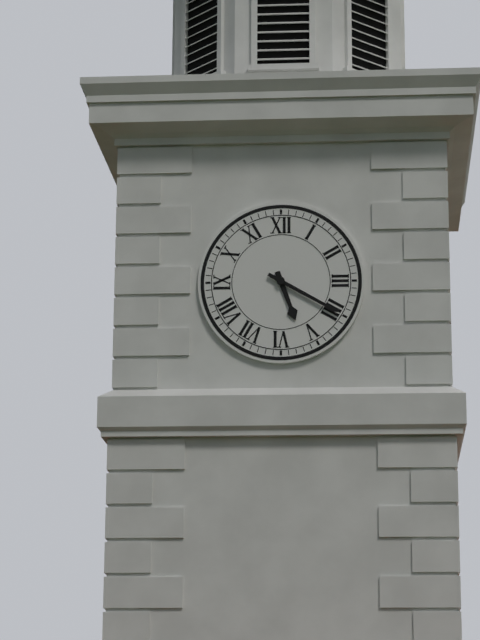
5:20
